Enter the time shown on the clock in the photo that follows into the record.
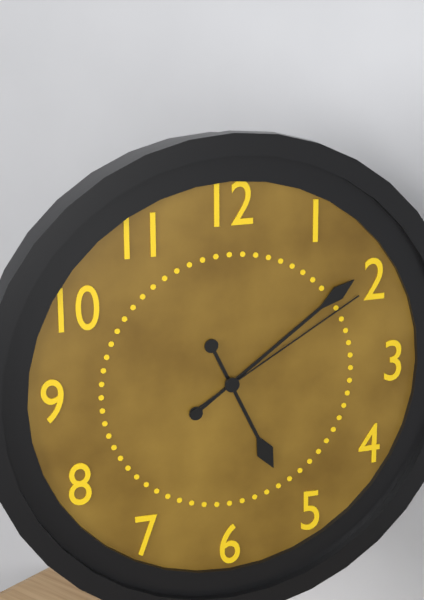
5:09:10
